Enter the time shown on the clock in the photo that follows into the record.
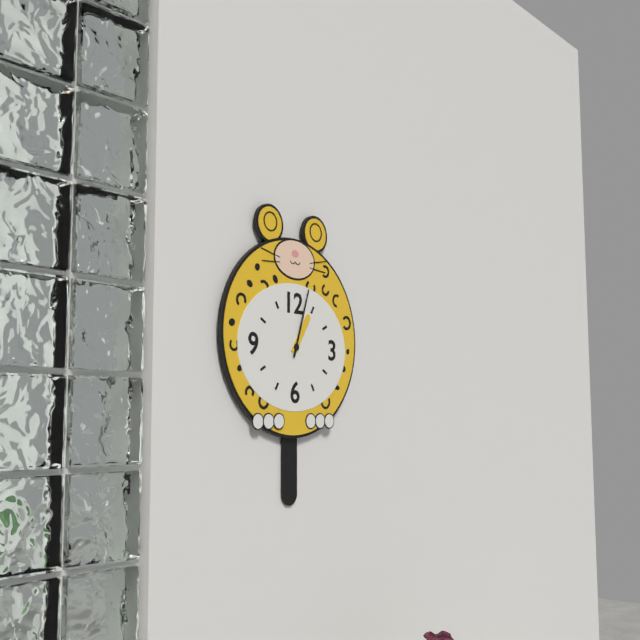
1:03
